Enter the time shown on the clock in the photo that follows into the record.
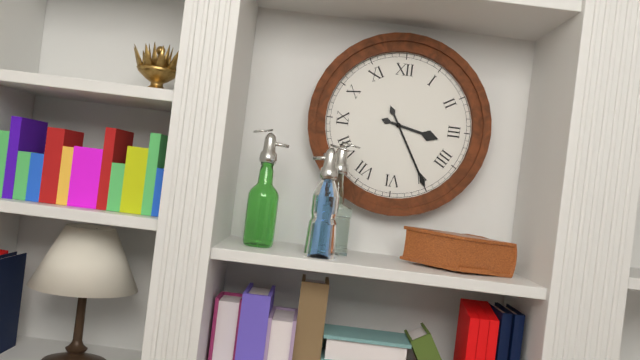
3:25
